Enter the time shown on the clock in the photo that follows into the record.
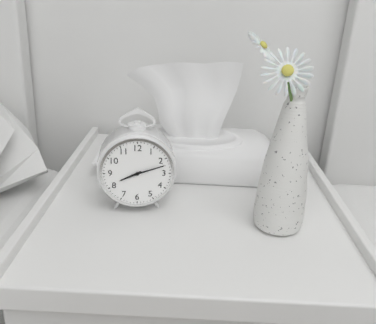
8:12
